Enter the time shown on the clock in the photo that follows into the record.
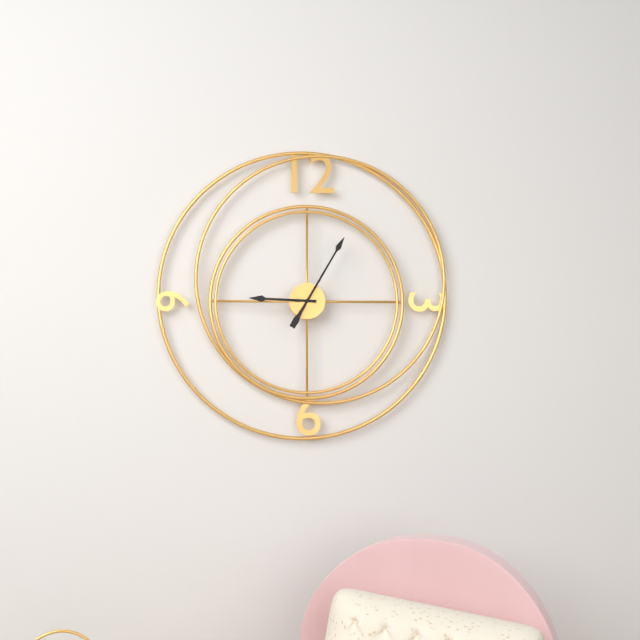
9:05
